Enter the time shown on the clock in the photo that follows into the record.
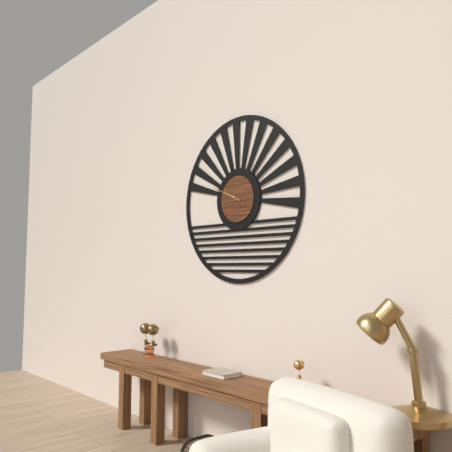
9:49
